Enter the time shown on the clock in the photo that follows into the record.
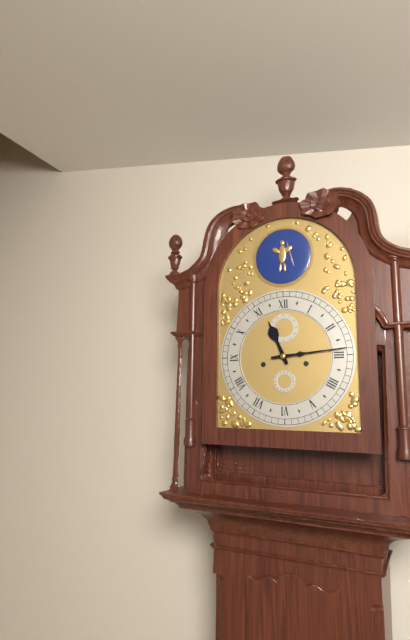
11:14
